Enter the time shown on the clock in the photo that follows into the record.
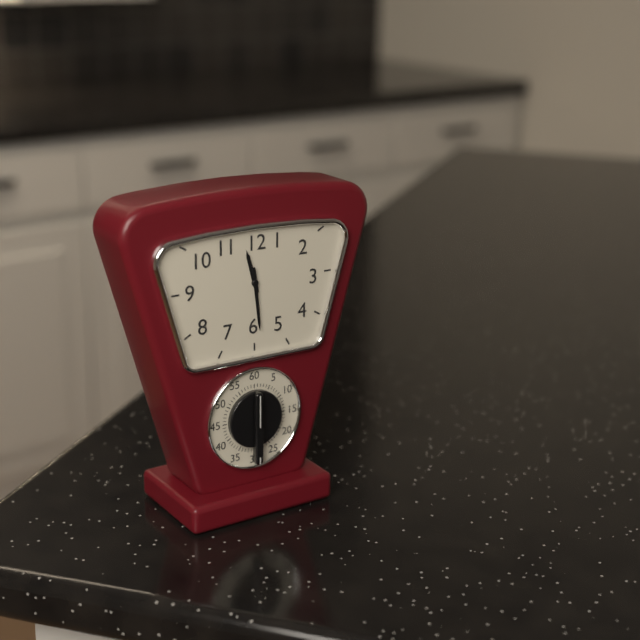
11:29
